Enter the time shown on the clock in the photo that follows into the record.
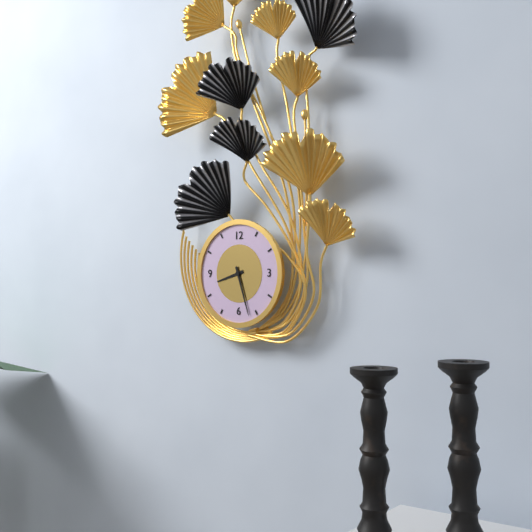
8:27
